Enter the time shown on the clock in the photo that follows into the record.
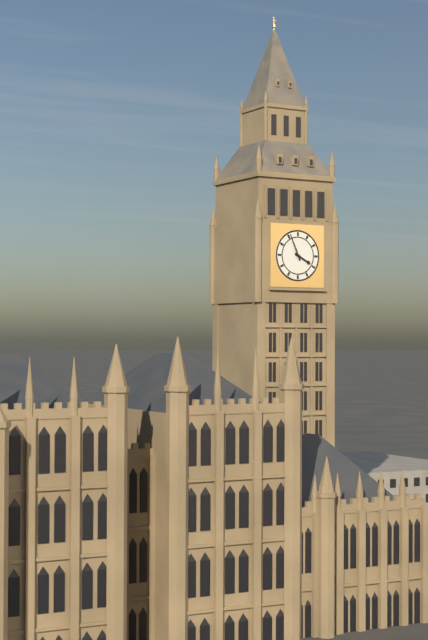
3:56
